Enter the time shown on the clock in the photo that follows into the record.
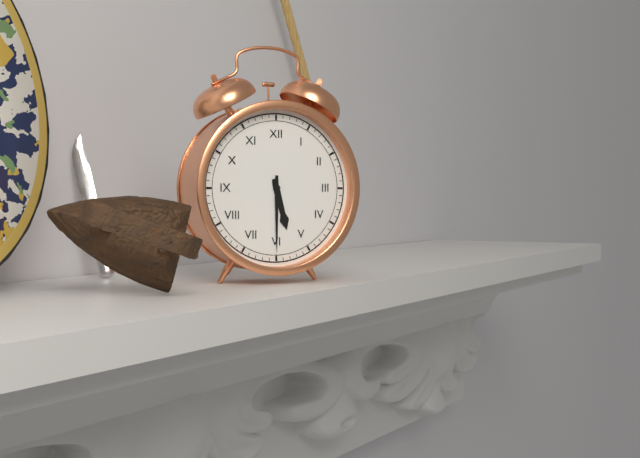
5:30
